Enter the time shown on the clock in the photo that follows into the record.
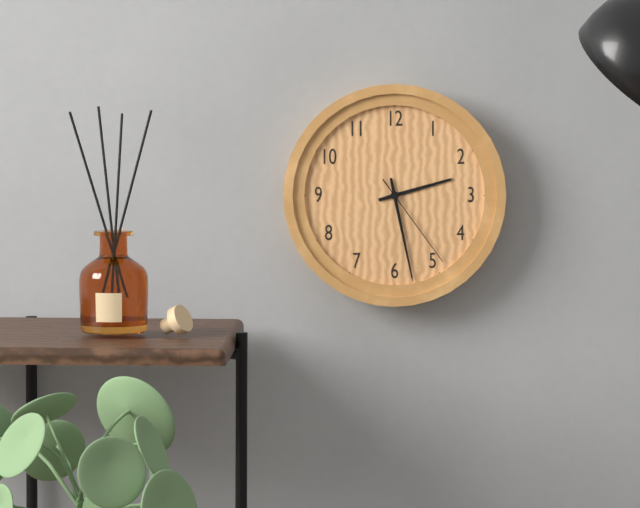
2:28:24
